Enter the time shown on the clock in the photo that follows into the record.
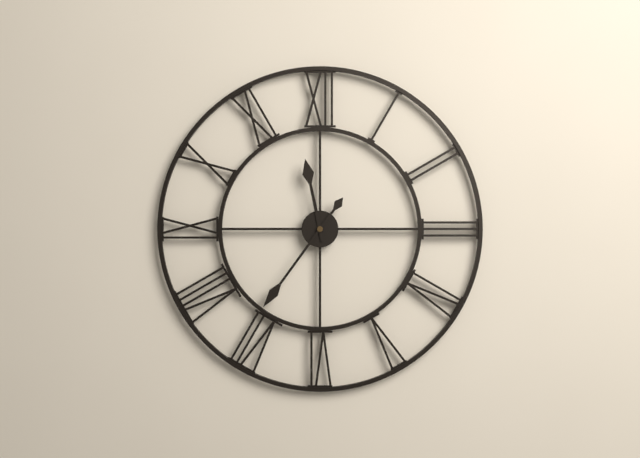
11:36
